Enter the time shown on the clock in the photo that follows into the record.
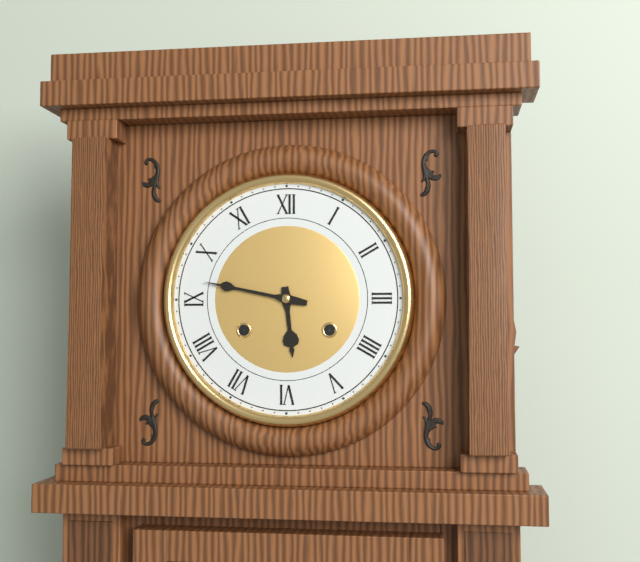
5:47
